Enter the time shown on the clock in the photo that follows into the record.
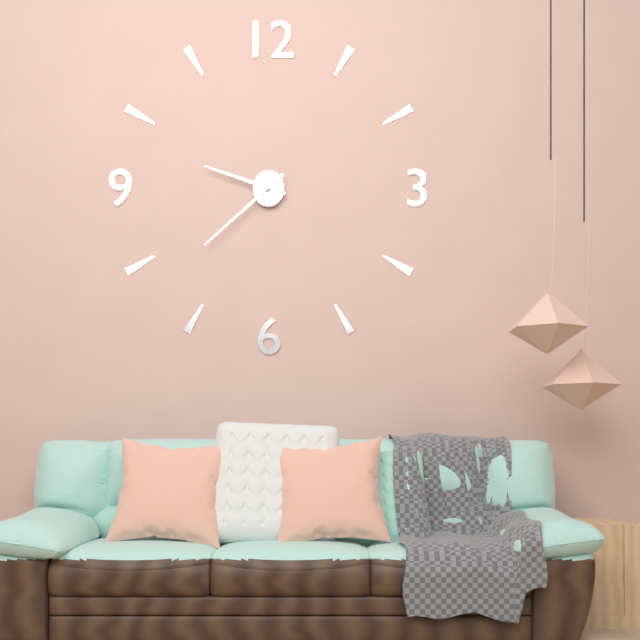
9:38
